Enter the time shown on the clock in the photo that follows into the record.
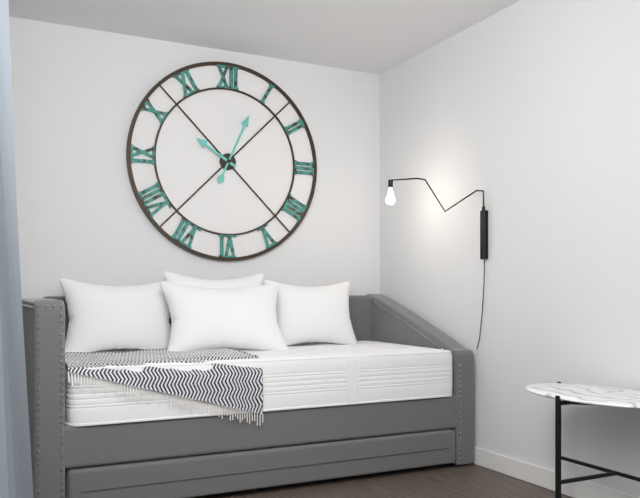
10:04
